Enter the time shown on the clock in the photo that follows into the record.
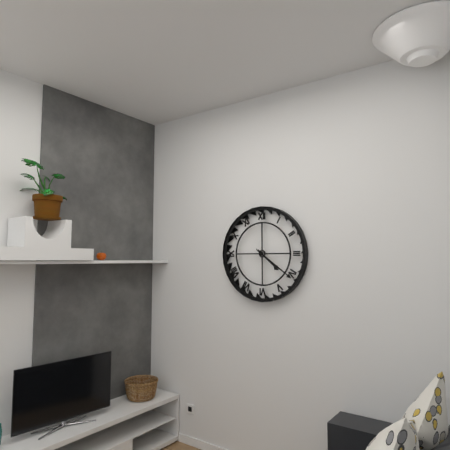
4:21
